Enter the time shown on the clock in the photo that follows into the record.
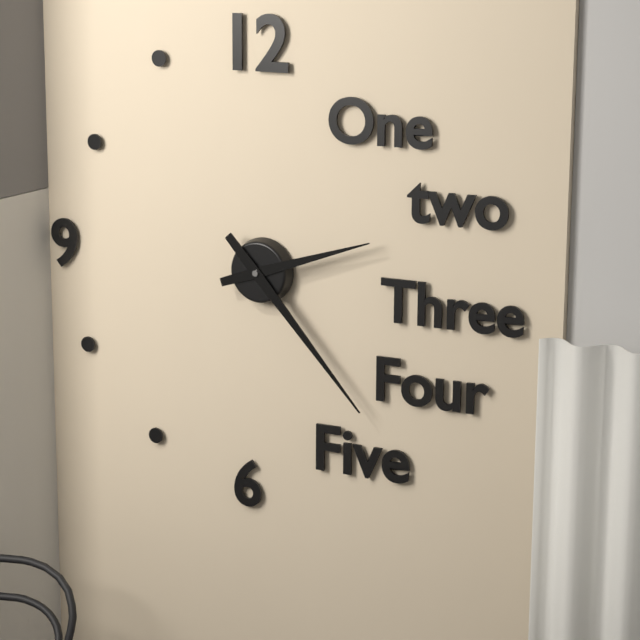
2:23
